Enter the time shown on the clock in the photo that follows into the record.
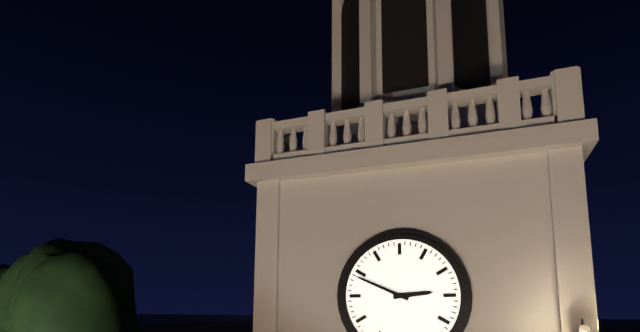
2:49
